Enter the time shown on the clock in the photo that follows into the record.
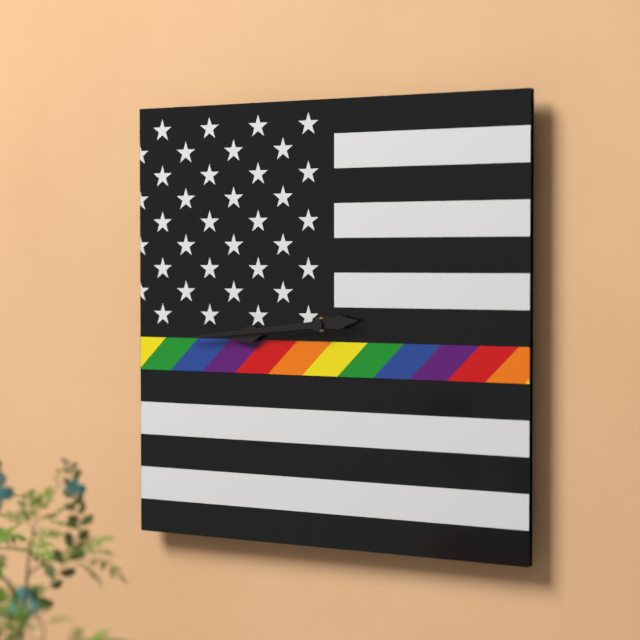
8:44
